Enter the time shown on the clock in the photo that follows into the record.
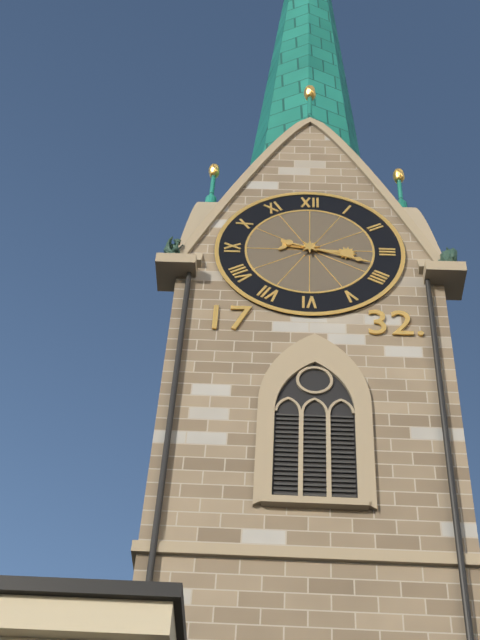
3:18
